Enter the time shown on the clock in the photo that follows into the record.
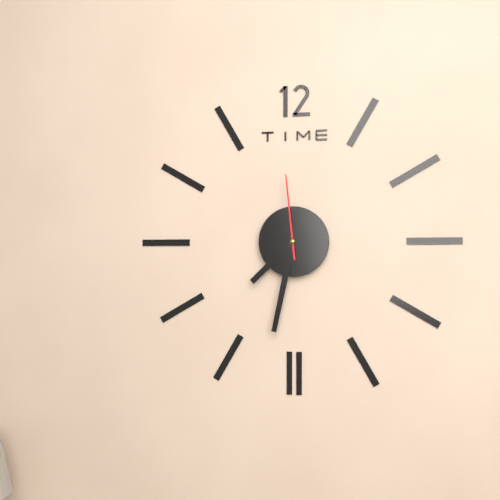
7:32:59
